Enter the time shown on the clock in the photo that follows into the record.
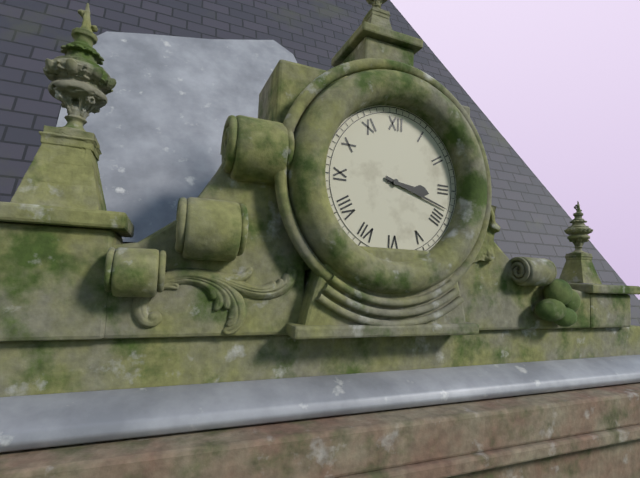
3:18
